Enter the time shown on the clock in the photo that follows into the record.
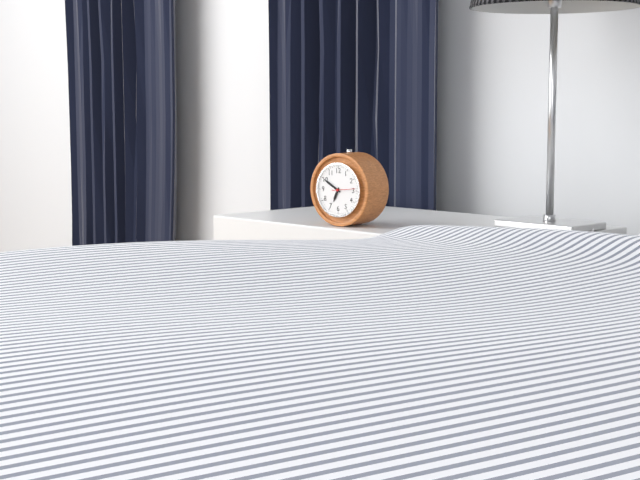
6:50
